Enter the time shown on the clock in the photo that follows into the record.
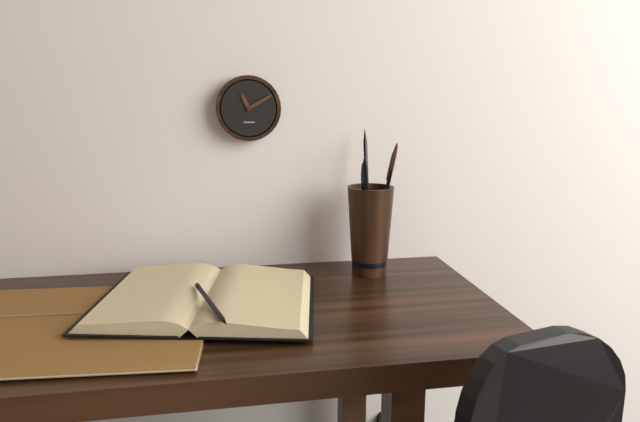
11:10
